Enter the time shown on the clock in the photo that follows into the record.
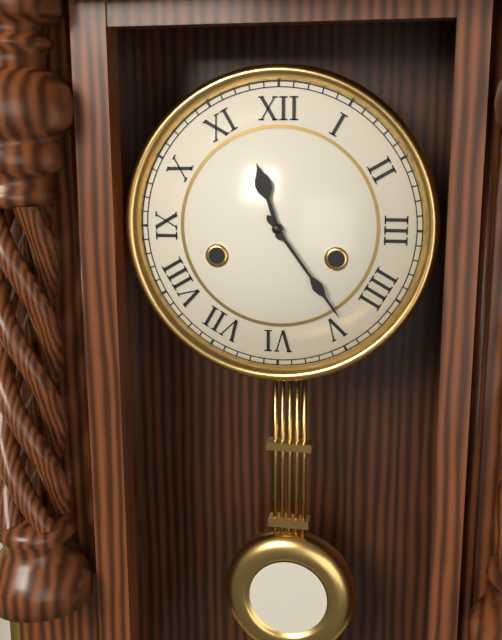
11:24
